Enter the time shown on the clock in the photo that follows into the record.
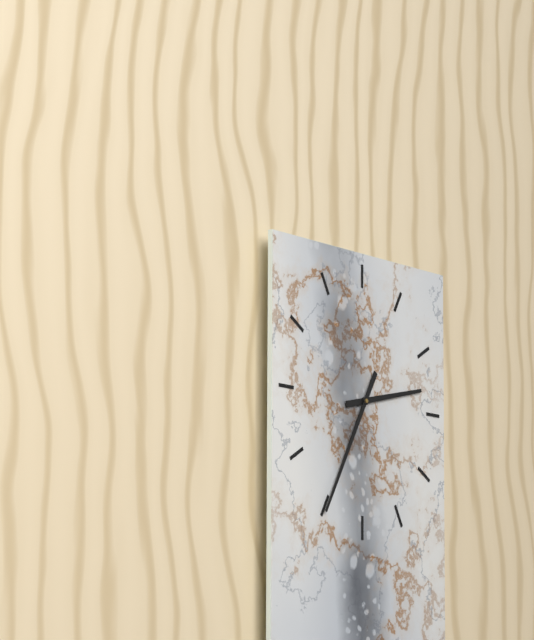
2:35
